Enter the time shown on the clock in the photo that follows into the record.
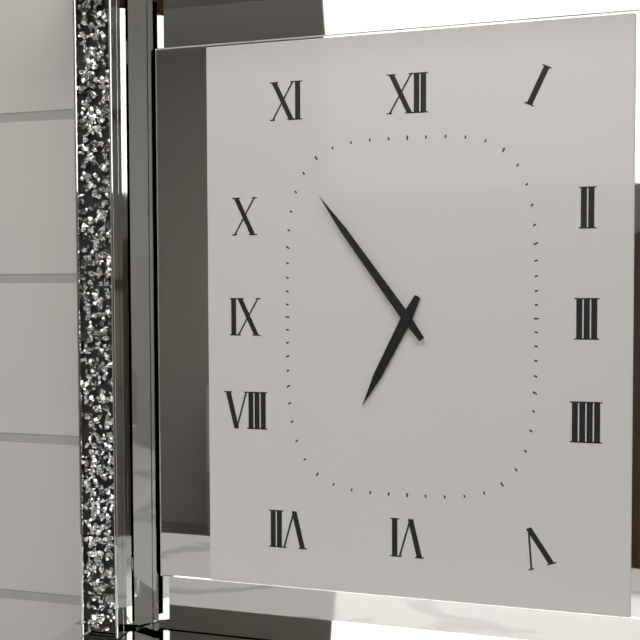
6:54
